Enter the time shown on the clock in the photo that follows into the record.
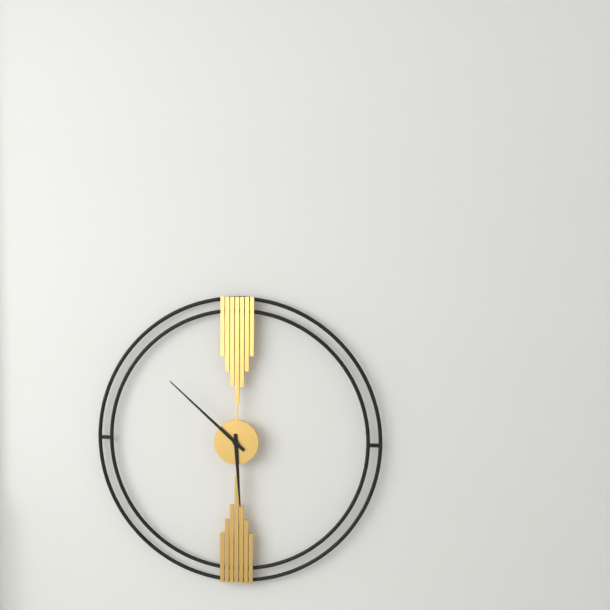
5:52
